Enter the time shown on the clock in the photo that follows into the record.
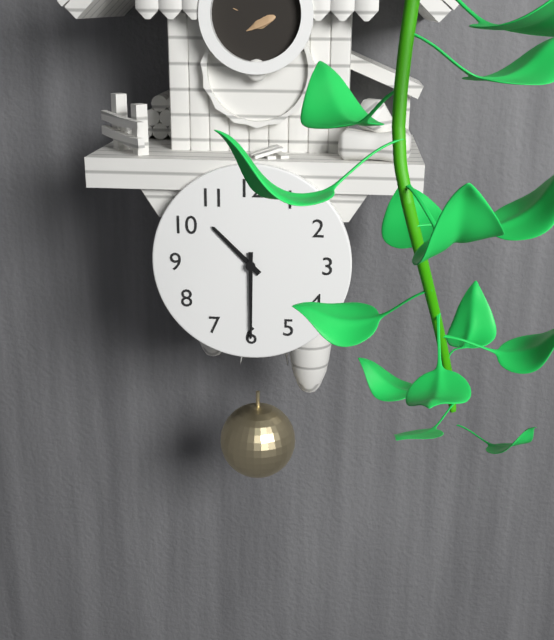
10:30
